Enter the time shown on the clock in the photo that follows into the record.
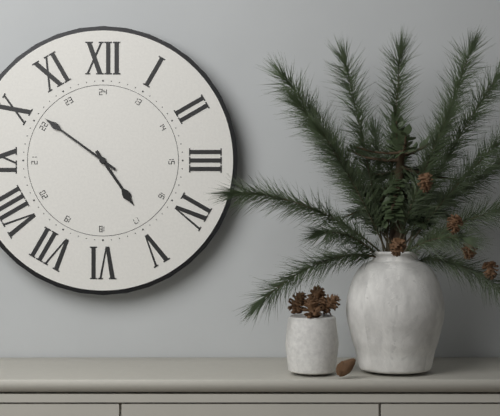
4:51
